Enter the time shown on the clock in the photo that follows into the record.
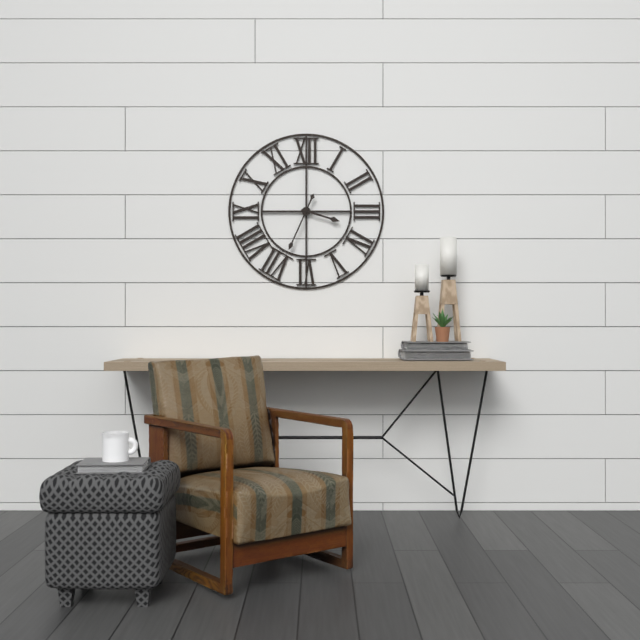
3:34
